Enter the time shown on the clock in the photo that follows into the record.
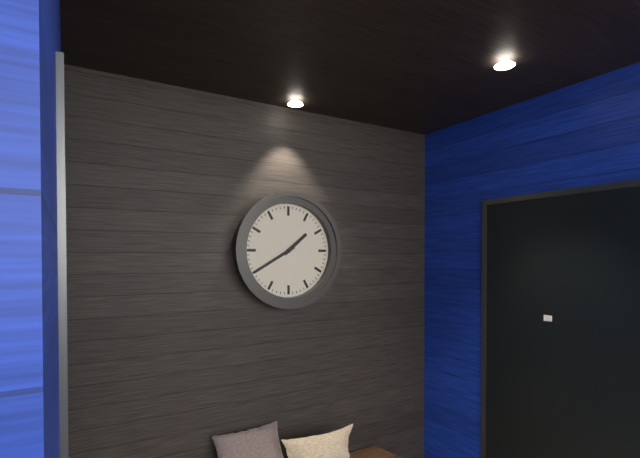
1:40
